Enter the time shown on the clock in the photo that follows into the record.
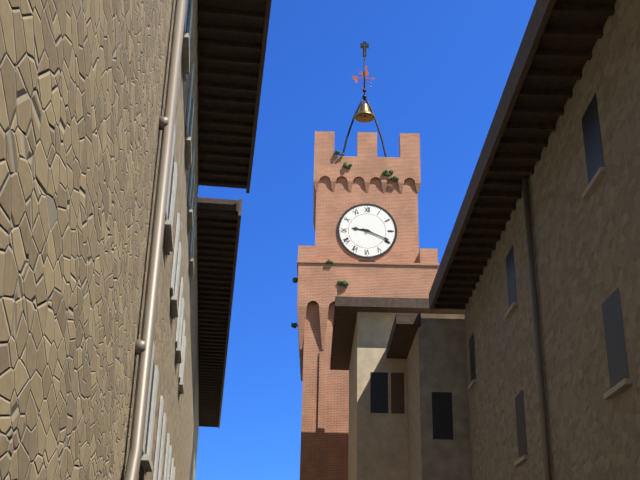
9:19
